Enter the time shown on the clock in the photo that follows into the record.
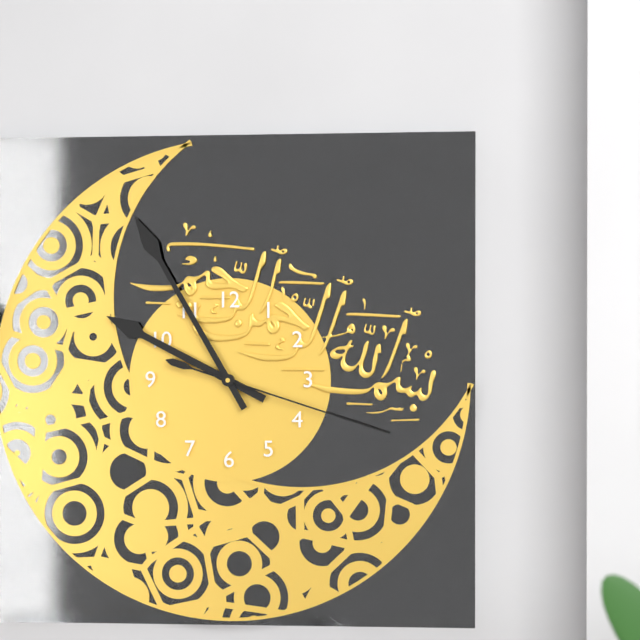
9:55:18
